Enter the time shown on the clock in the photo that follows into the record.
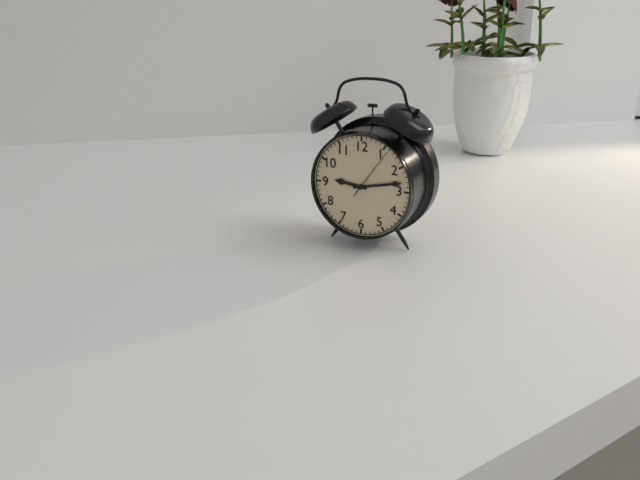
9:13:06
